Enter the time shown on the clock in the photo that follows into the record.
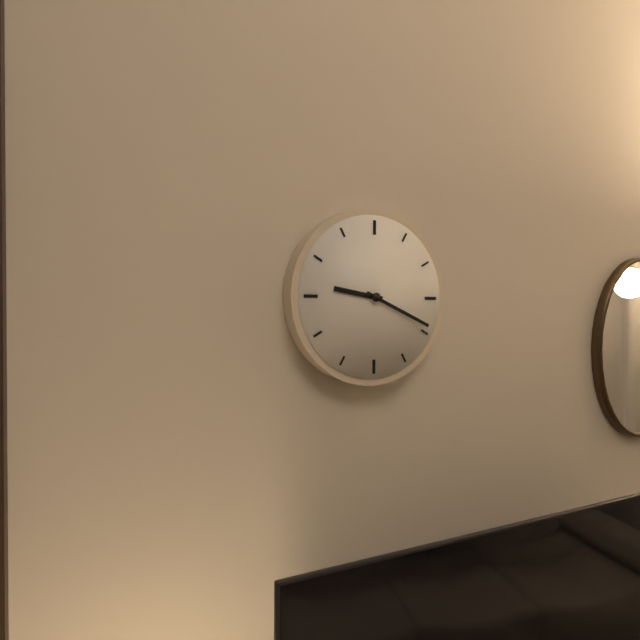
9:19
